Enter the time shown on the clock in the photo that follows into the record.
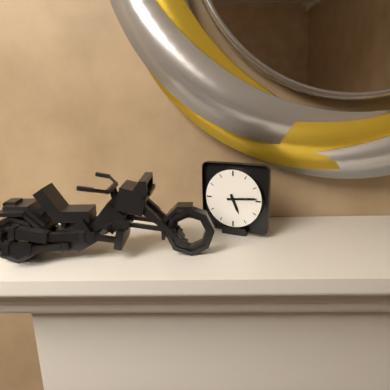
5:14
